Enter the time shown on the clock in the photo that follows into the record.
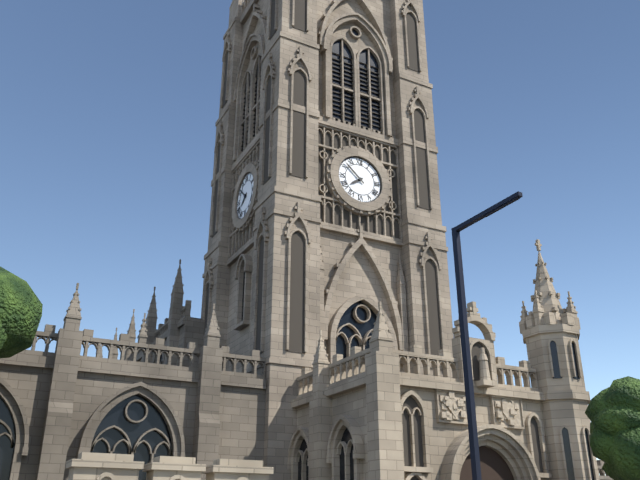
7:52
